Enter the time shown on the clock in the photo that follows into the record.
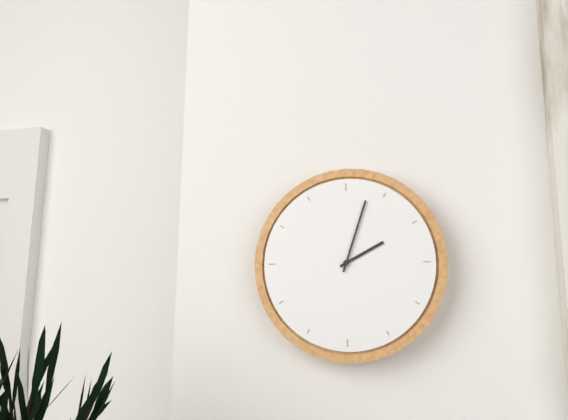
2:03
